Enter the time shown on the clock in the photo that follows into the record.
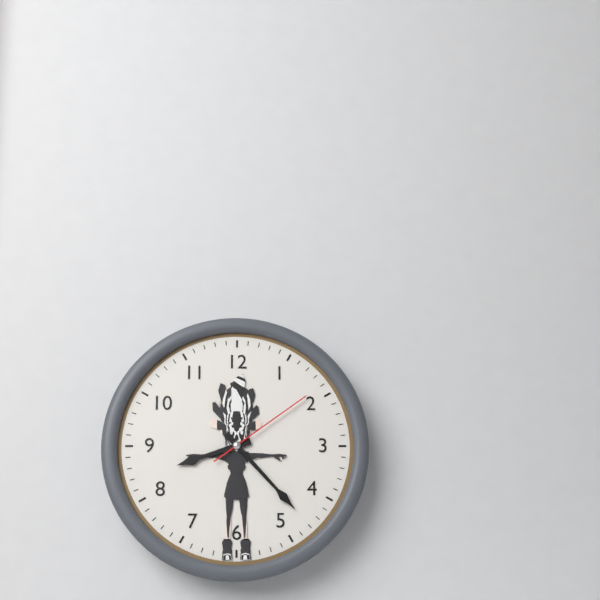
8:23:09
